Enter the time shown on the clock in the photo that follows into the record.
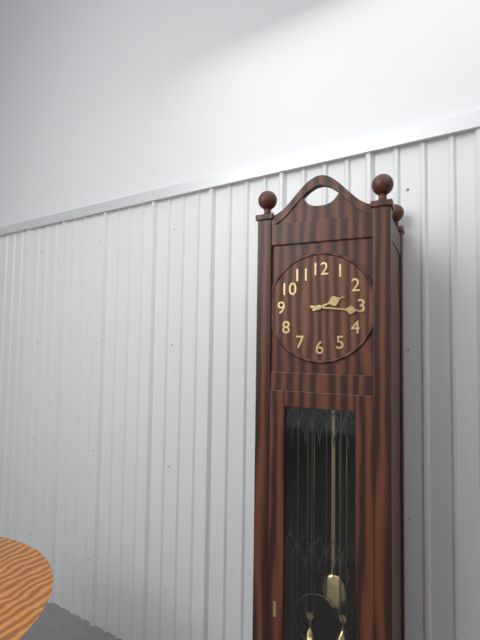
2:16
